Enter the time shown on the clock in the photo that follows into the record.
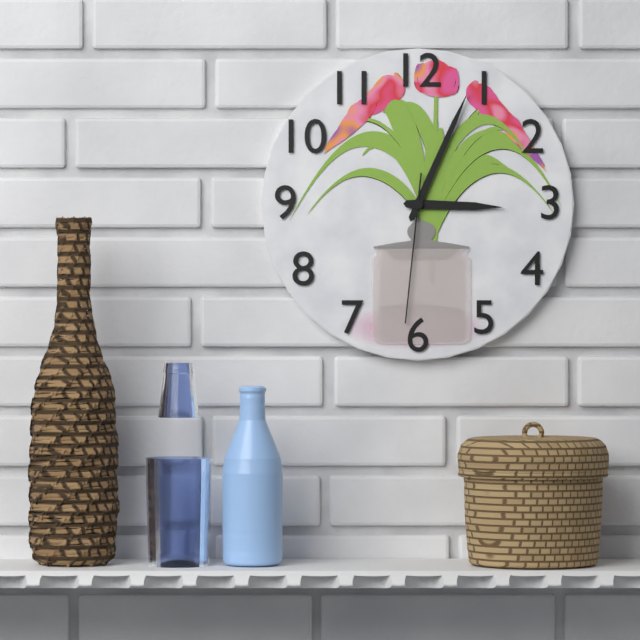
3:04:31
